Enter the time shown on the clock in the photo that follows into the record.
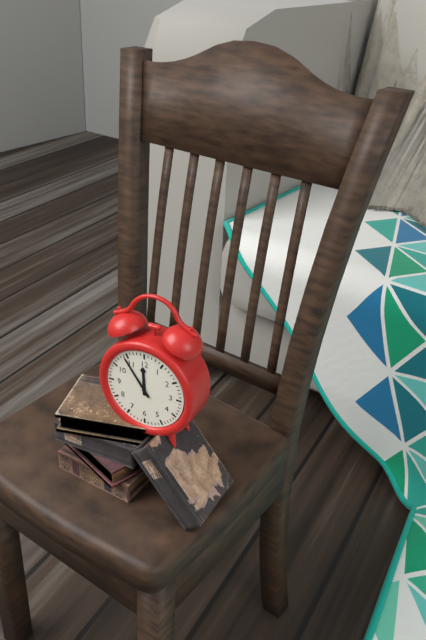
11:54
